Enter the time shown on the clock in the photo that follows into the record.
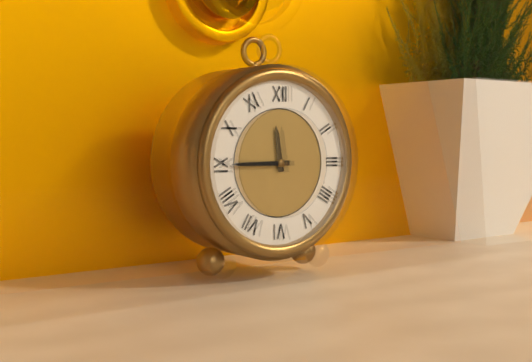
11:45
